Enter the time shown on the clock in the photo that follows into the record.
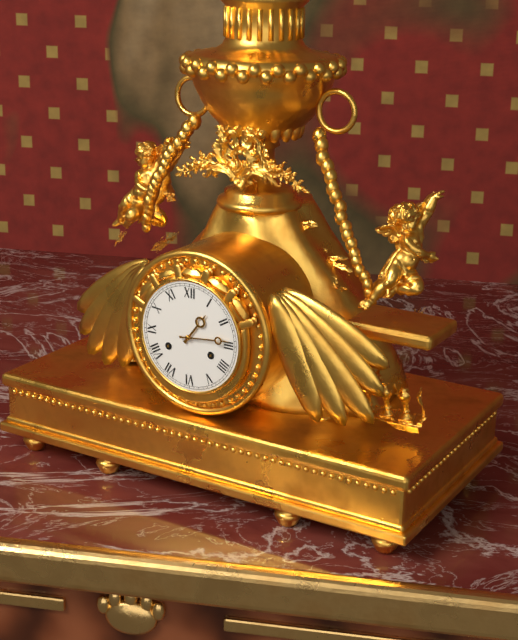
1:14
